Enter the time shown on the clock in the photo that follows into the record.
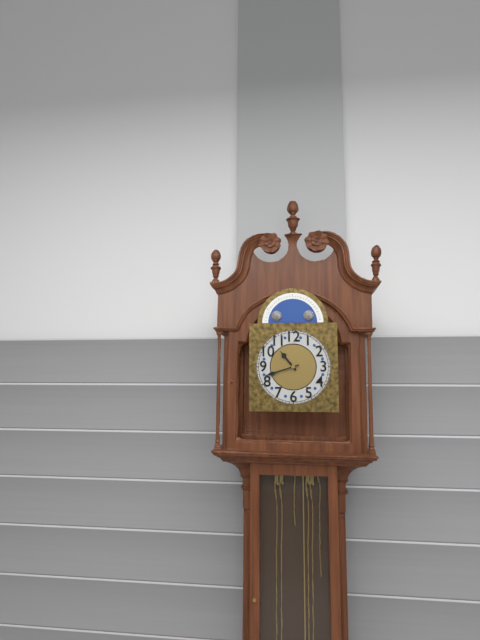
10:42
